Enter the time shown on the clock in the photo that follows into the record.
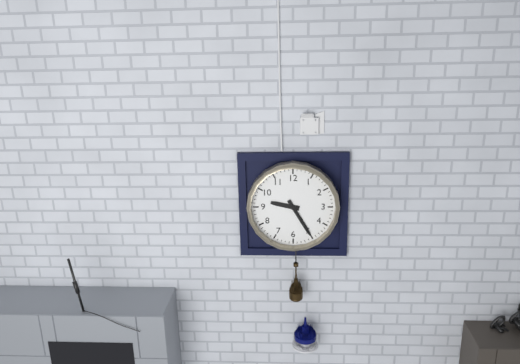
9:25
